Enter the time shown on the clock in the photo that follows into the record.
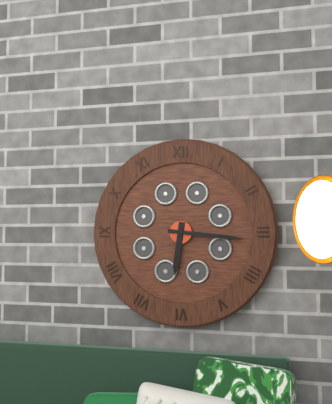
6:16
